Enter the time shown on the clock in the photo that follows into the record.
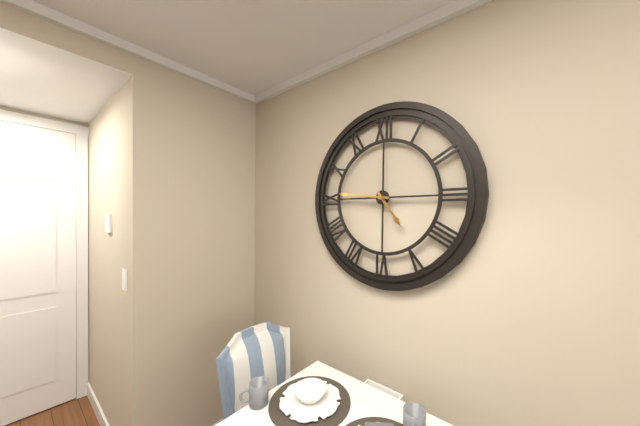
4:46
